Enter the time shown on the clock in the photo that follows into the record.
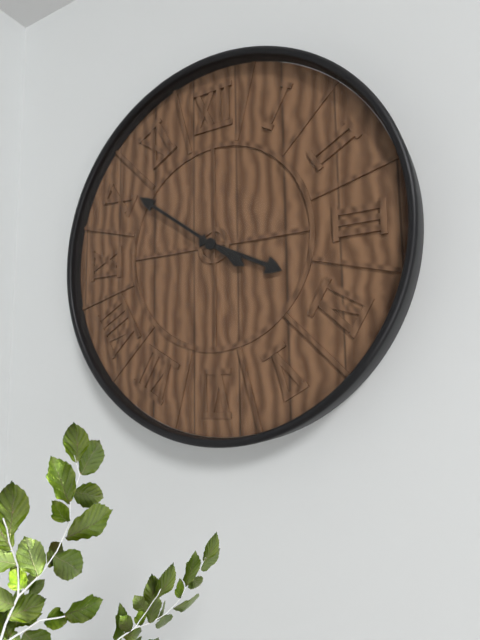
3:51
